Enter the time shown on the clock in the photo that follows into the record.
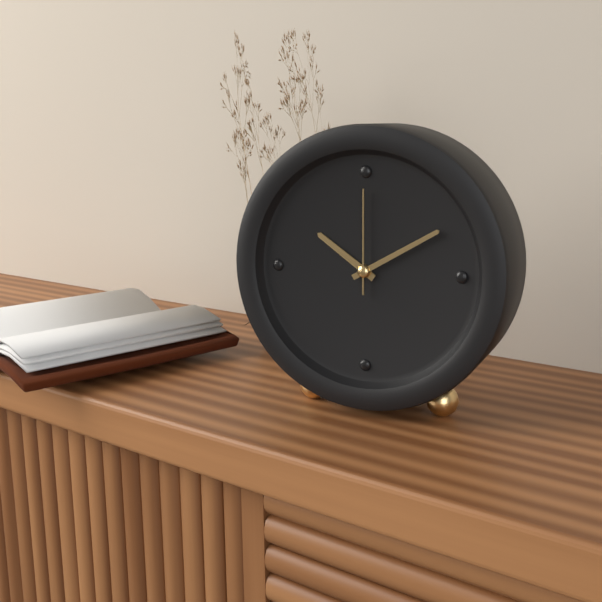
10:10:00
